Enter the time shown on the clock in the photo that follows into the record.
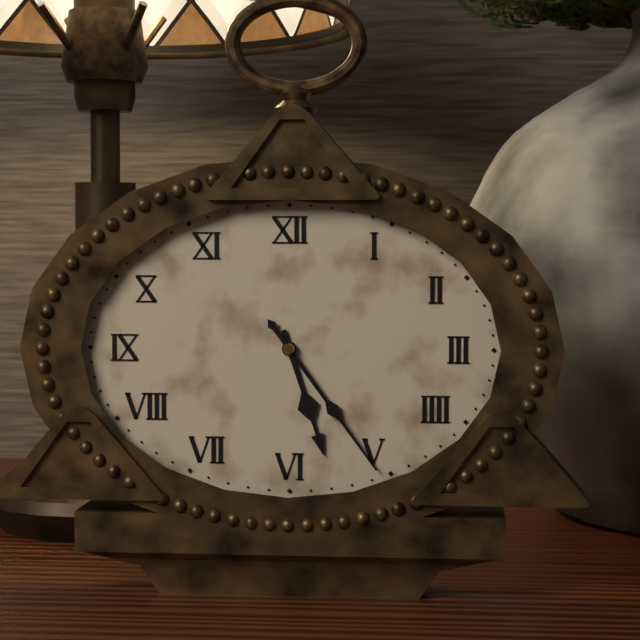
5:24
